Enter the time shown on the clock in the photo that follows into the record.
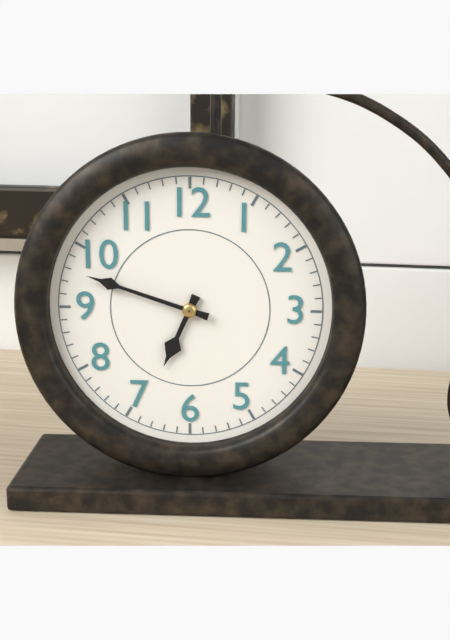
6:48
